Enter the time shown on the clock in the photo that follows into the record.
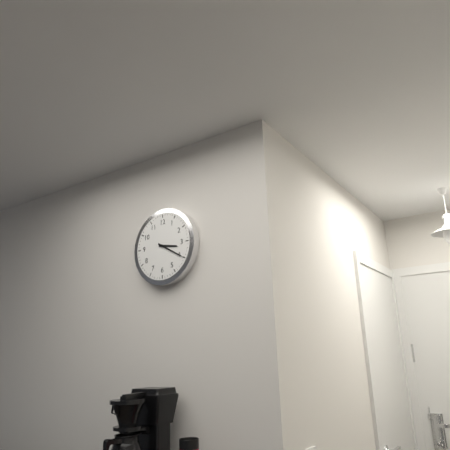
3:20
